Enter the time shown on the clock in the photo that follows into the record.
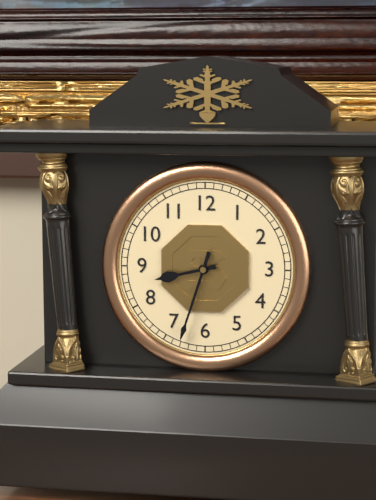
8:33
